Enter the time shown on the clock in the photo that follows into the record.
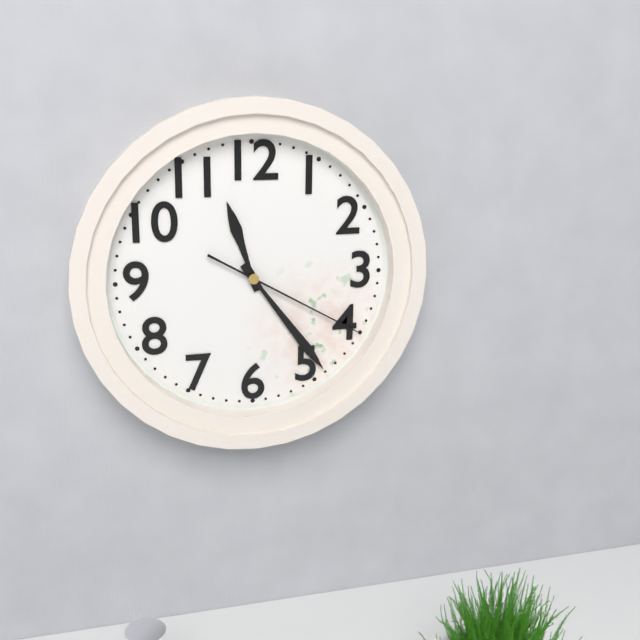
11:24:20
